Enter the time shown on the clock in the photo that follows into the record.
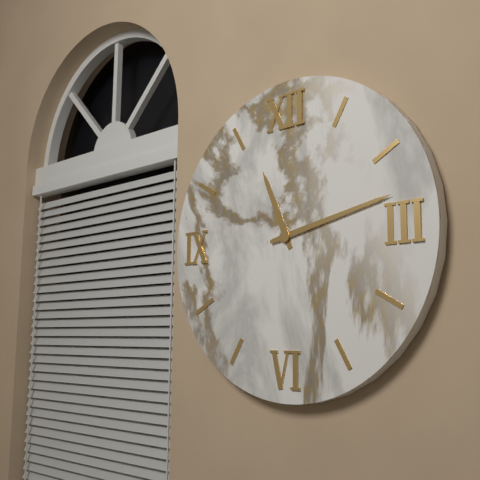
11:13
